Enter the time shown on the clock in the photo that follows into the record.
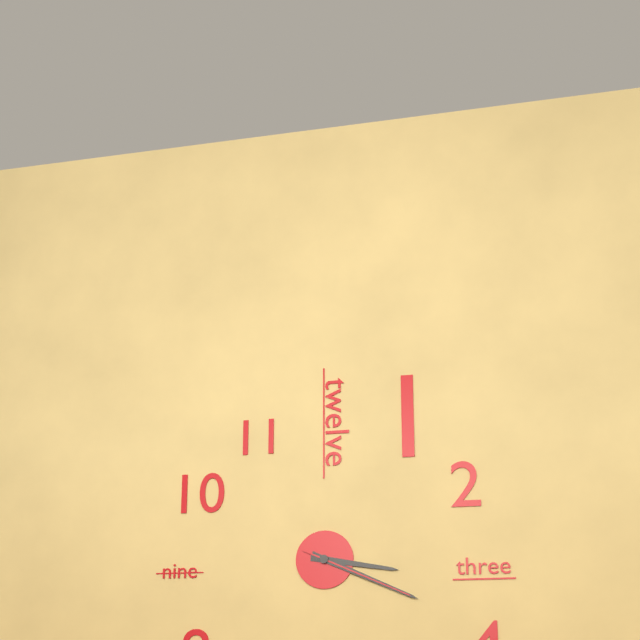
3:19:19
